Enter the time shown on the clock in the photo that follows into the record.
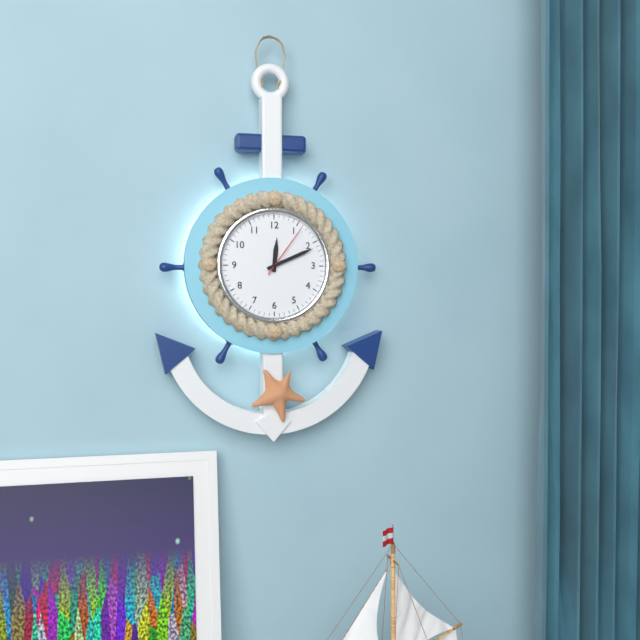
12:11:06
